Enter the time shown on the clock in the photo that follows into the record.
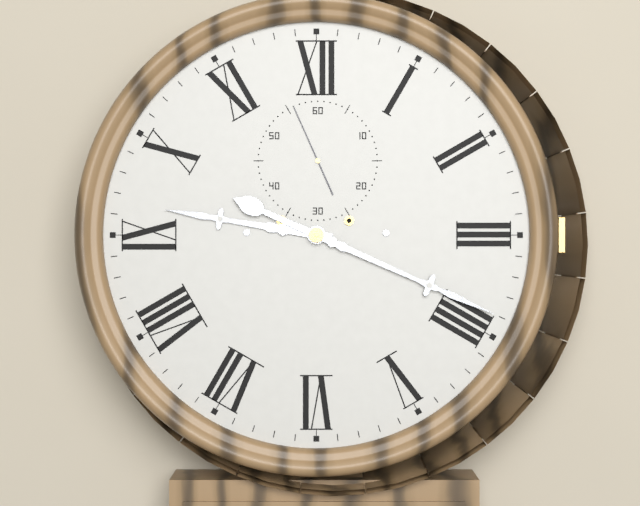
9:19:56
